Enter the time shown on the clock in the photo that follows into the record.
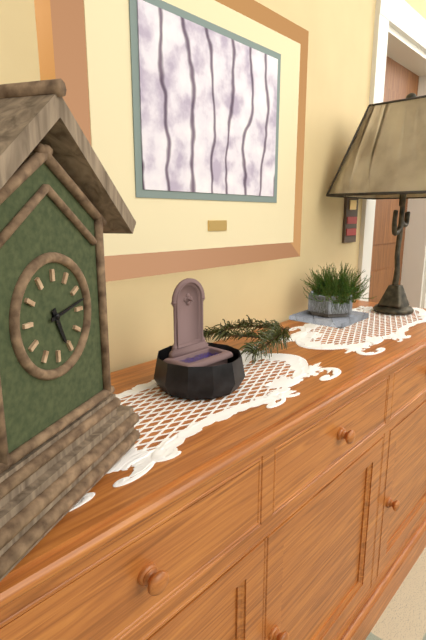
5:13
